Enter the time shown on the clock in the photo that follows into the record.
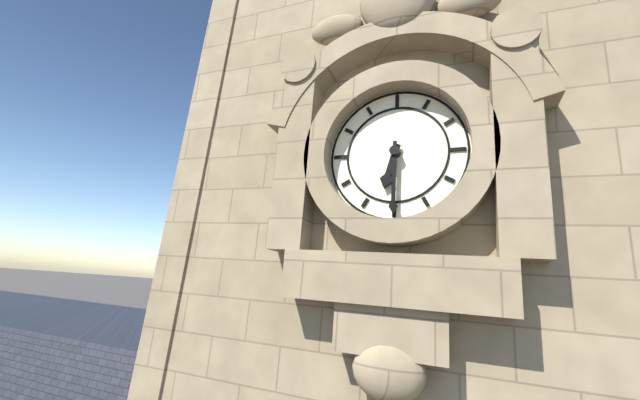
6:30
